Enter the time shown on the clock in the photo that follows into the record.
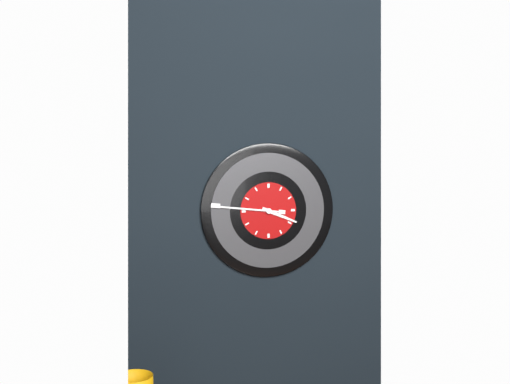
3:46
